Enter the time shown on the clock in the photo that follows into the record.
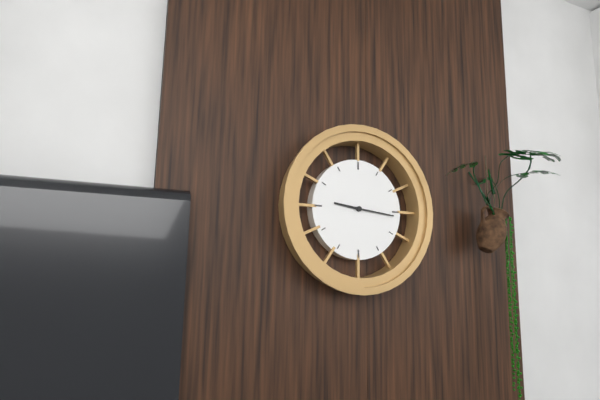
9:16
